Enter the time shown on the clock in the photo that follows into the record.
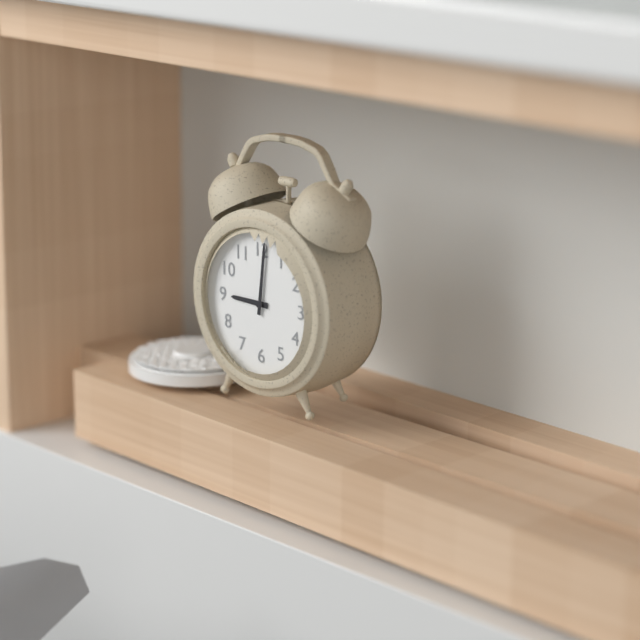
9:01
